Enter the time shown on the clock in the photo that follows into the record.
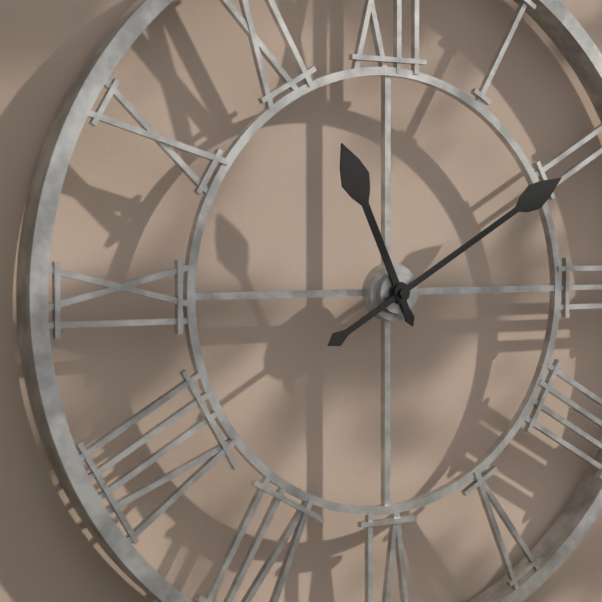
11:10
